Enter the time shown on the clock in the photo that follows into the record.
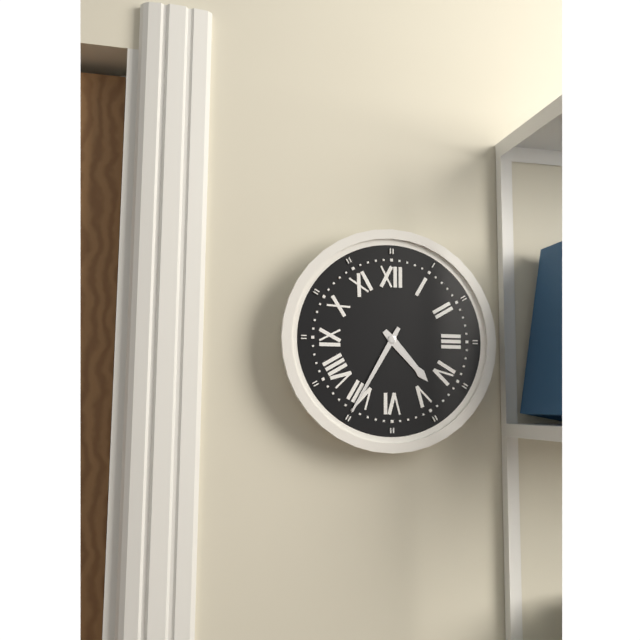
4:35
